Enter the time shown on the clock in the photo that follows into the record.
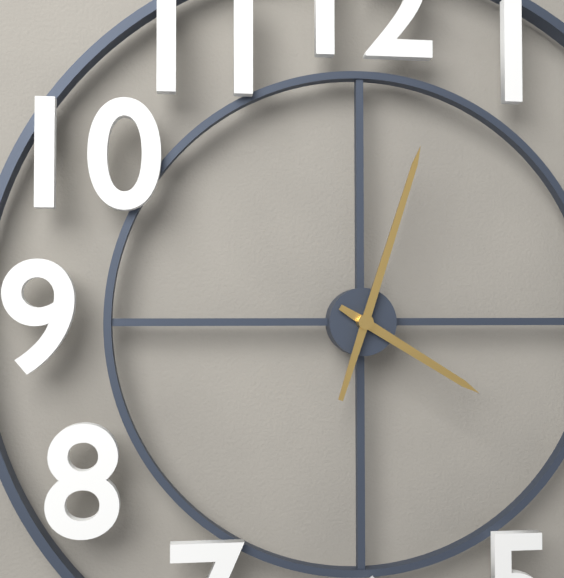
4:03
